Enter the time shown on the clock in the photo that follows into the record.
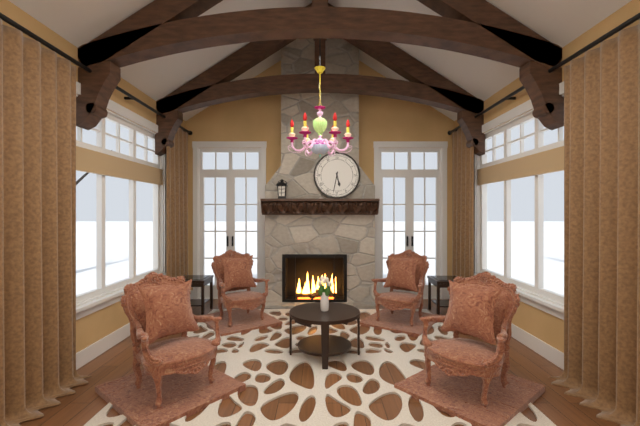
5:32
